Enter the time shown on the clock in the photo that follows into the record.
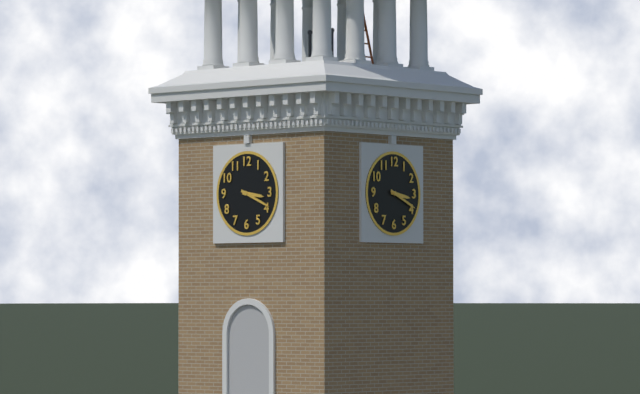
3:19
